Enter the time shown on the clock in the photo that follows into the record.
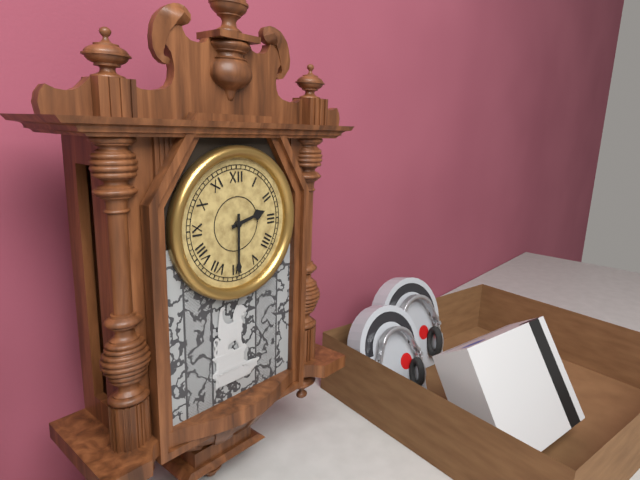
2:30
